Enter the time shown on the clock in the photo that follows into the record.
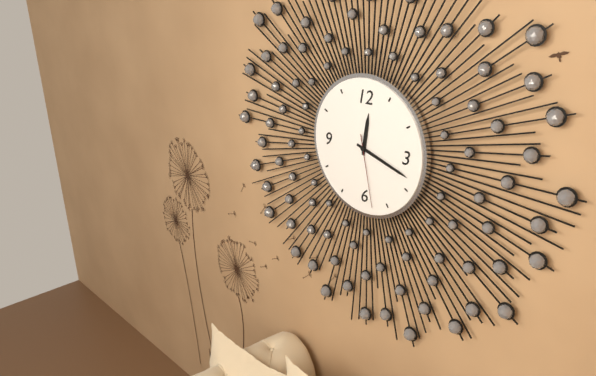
12:18:28
